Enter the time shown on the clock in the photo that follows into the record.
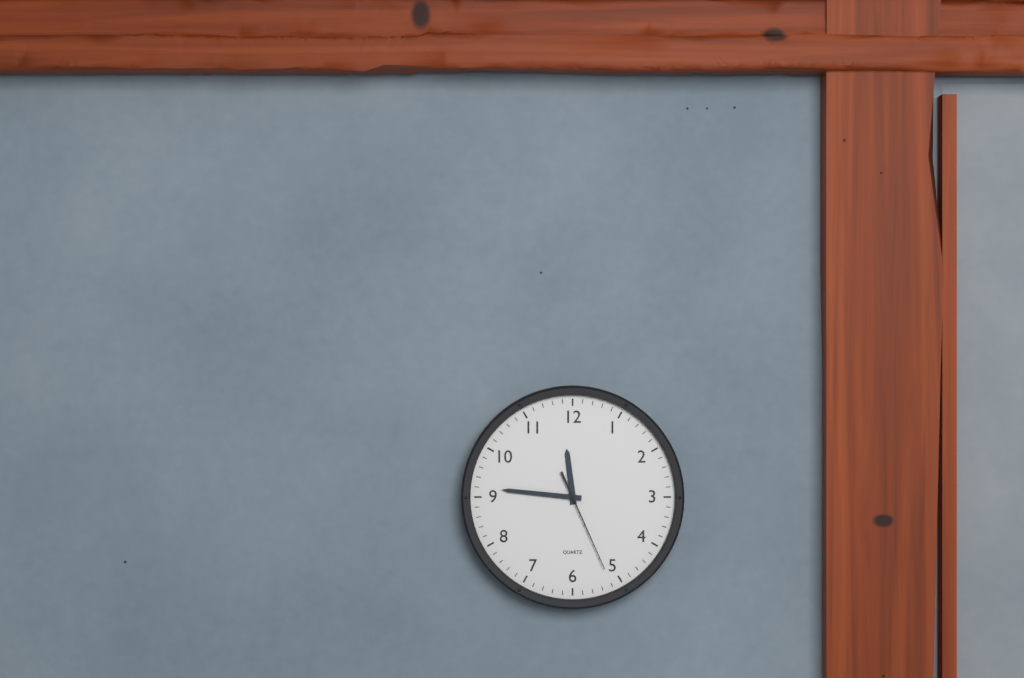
11:46:26
